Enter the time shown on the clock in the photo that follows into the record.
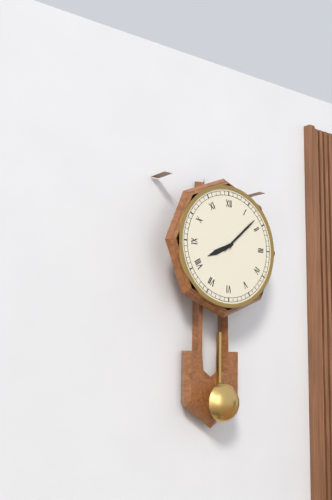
8:08
